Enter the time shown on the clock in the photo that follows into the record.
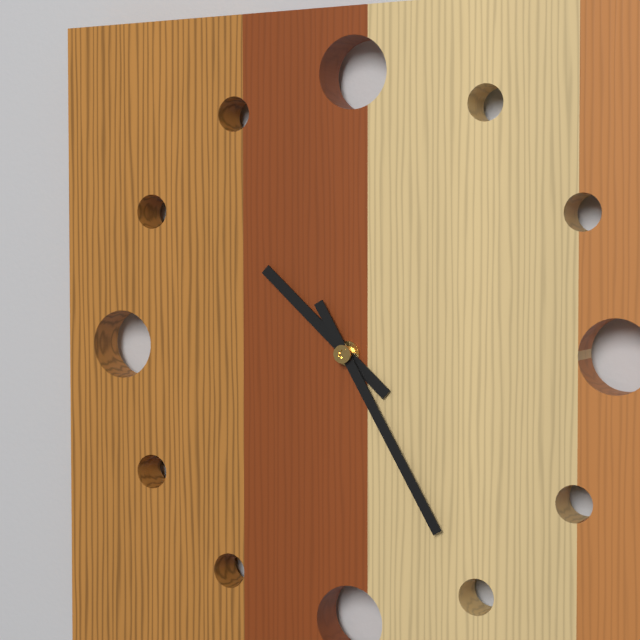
10:25
